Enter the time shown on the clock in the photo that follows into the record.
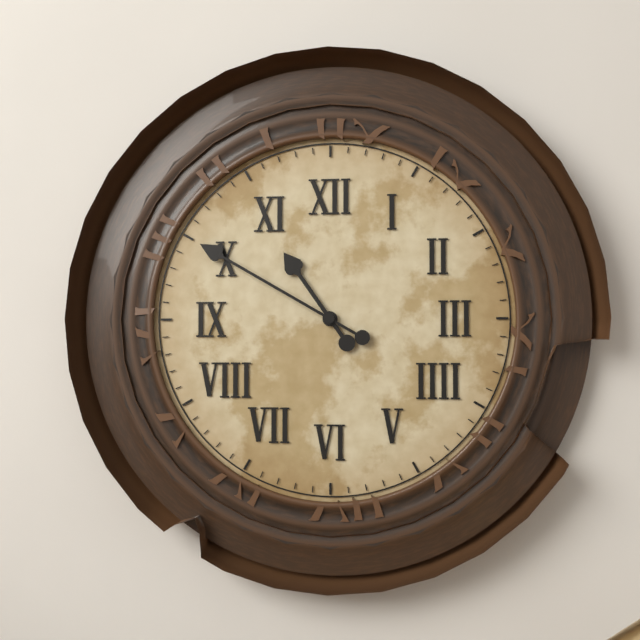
10:50
